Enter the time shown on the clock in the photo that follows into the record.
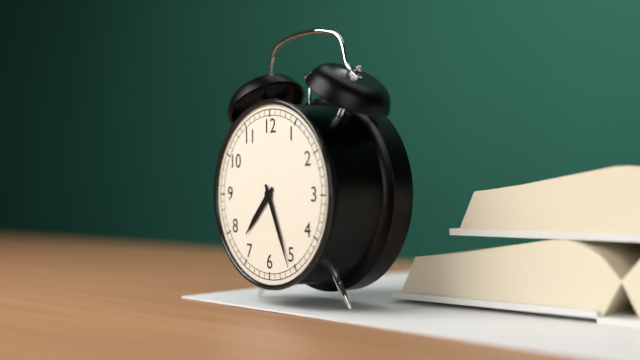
7:26
